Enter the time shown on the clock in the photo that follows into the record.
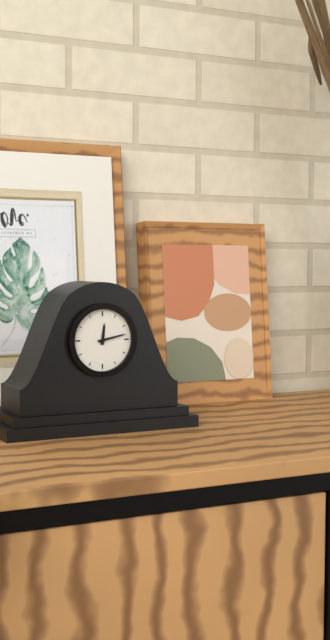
12:13
